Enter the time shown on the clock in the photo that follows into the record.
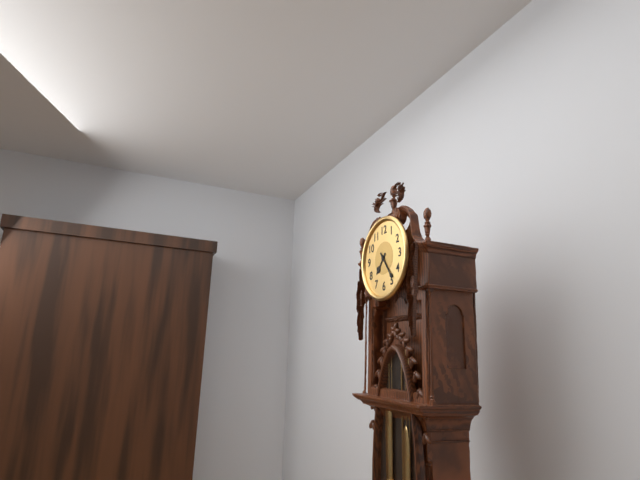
7:24
